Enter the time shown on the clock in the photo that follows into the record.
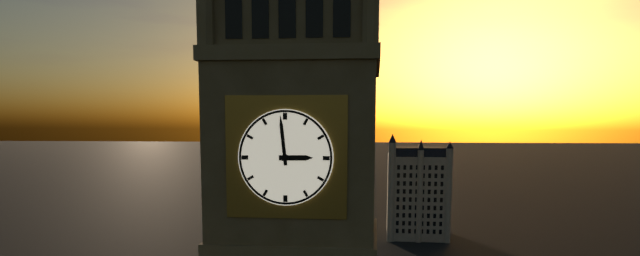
2:59
